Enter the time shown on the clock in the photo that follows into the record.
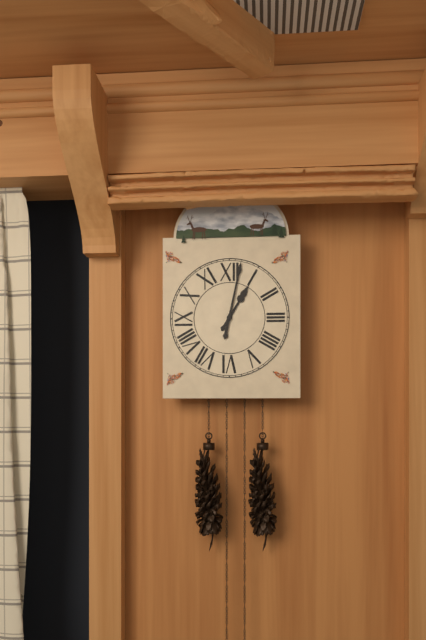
1:02
